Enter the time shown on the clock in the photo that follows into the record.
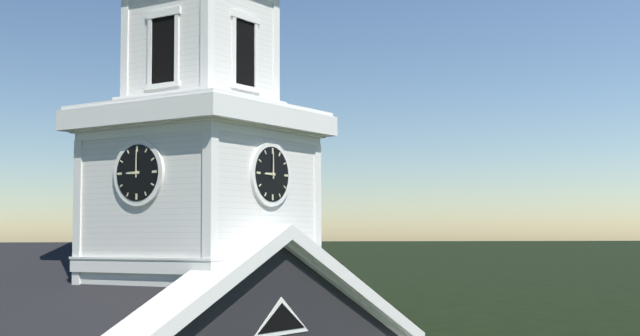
9:00
